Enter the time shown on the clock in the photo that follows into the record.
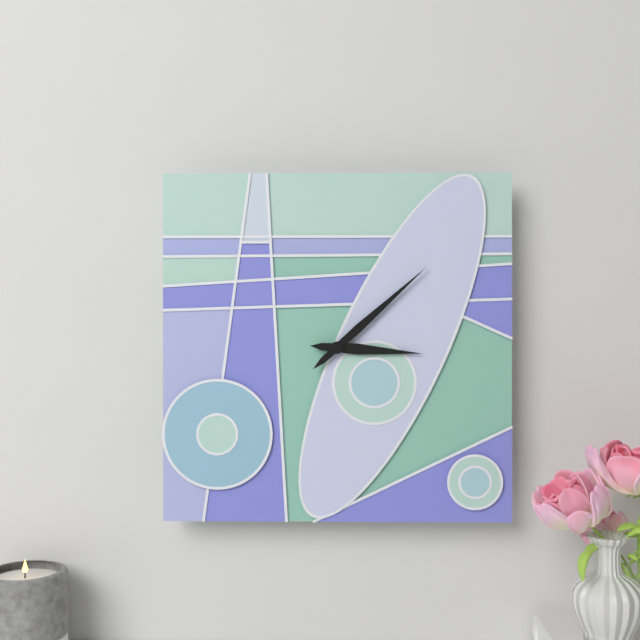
3:08
